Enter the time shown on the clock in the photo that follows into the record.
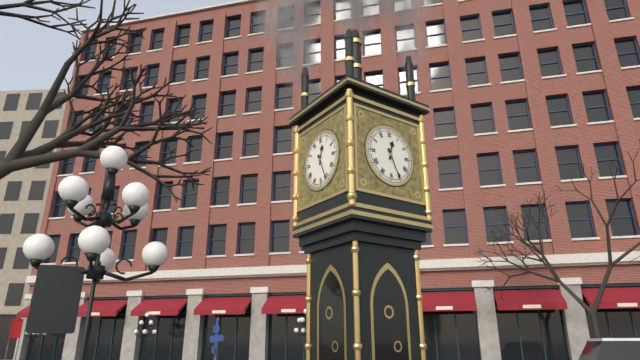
12:26
